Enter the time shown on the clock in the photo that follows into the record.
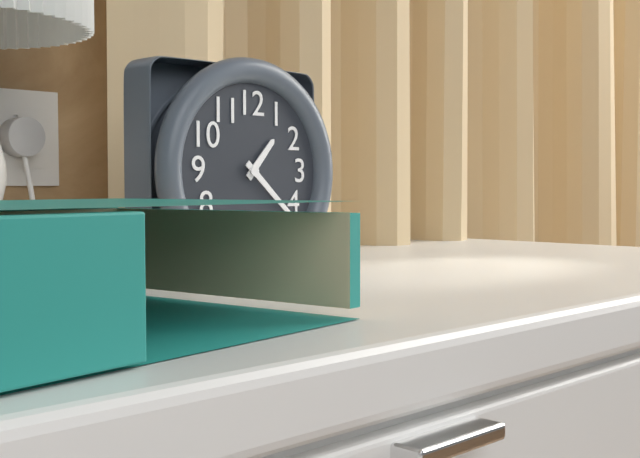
1:22
